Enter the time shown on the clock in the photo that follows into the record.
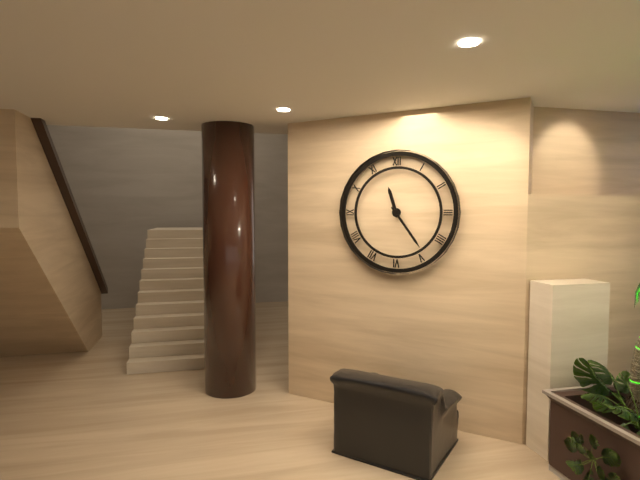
11:24
